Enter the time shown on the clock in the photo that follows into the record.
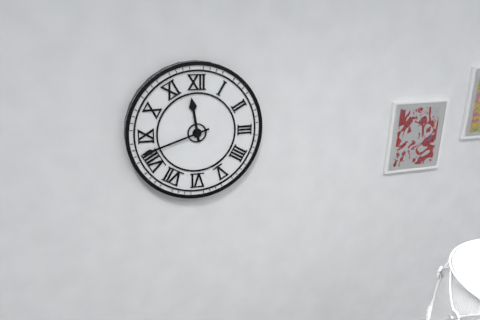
11:42
